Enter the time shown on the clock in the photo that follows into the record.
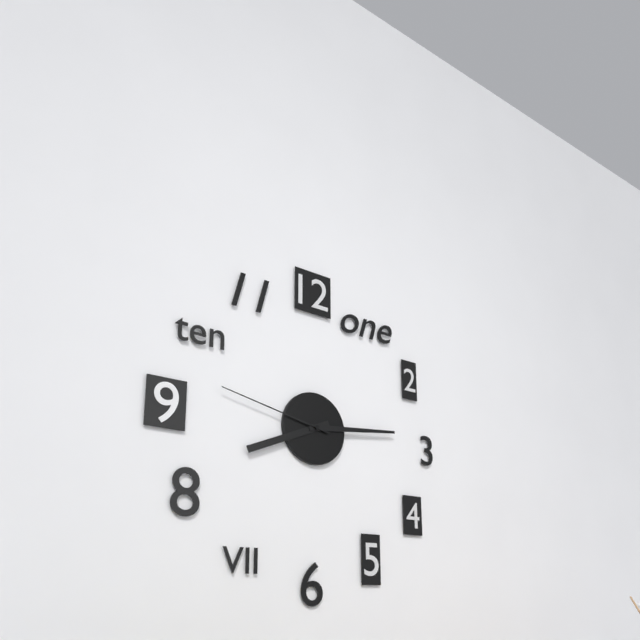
8:14:47
